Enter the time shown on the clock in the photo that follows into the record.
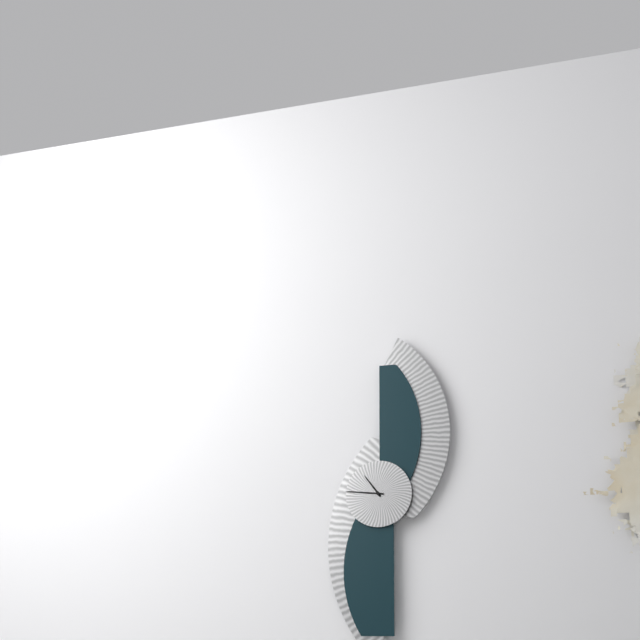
10:46
